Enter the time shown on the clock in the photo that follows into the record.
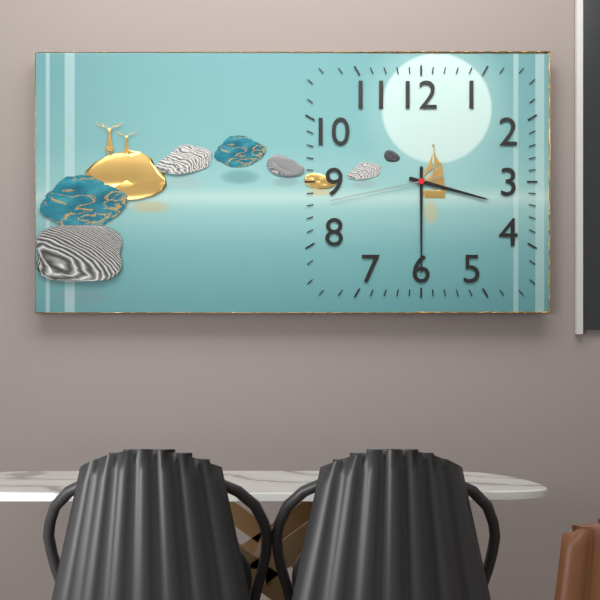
3:30:43
